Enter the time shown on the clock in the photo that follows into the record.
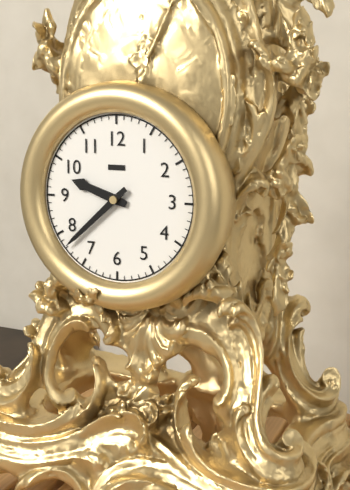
9:38
